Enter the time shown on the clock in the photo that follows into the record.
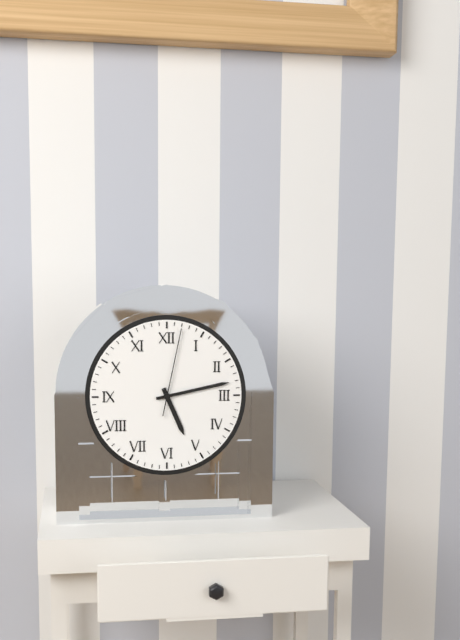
5:13:02
